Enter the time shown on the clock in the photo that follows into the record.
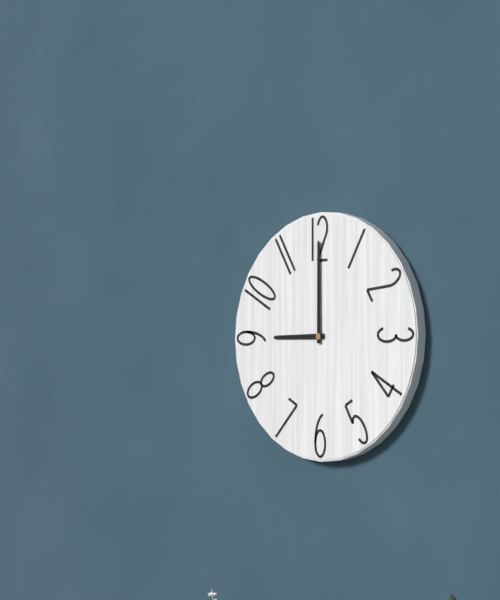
9:00
